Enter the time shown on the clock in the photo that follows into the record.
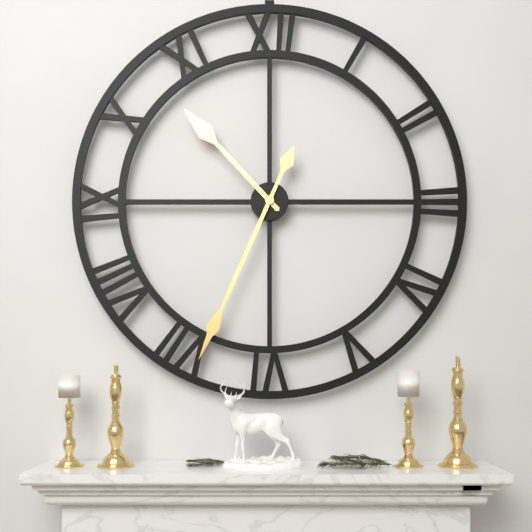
10:34
